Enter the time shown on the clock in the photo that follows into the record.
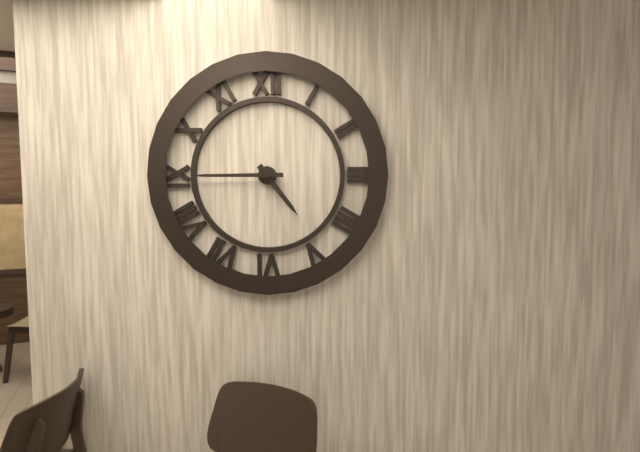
4:45
